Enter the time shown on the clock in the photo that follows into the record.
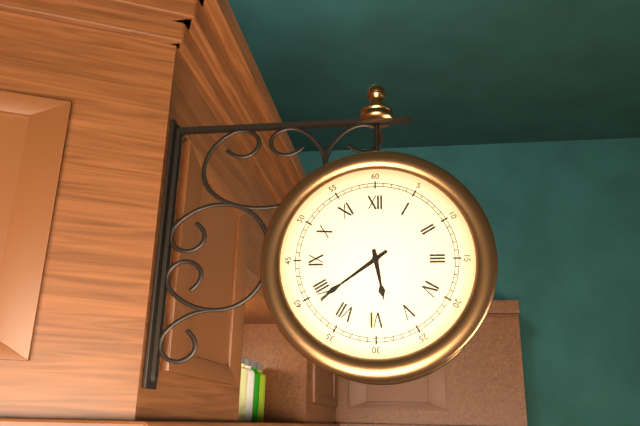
5:39
